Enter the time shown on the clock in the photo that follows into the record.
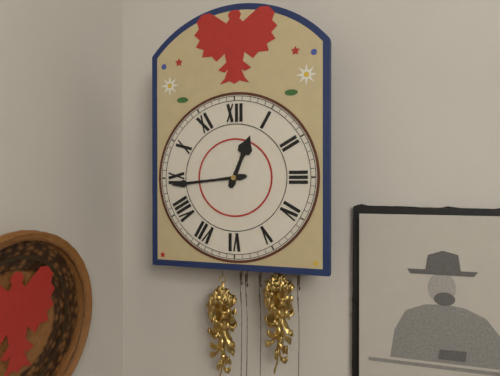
12:44
